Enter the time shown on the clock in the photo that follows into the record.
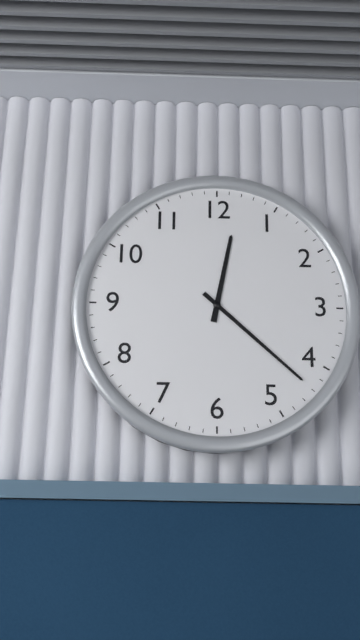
12:22
